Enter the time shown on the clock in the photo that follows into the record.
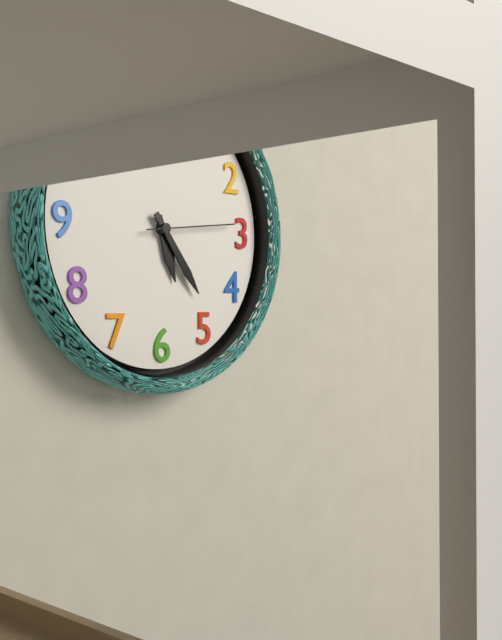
5:24:14
